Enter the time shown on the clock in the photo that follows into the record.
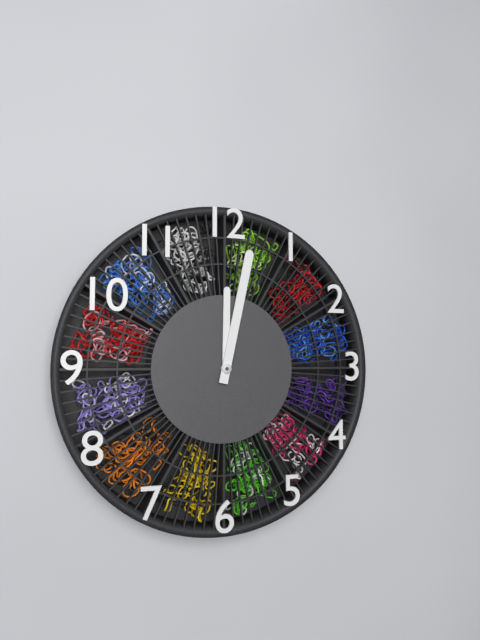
12:02
